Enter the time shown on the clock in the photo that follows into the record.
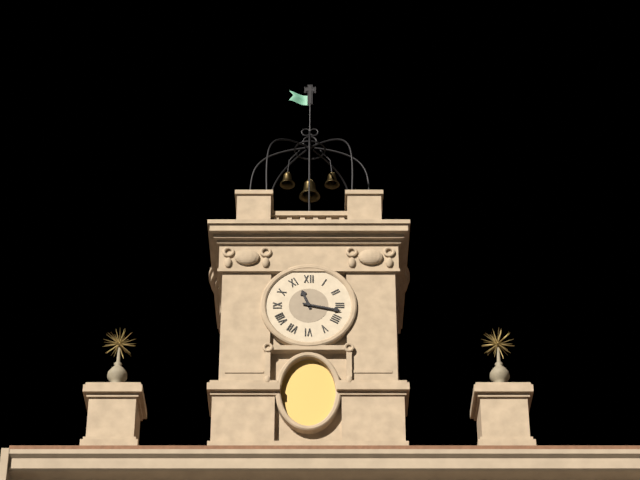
11:17
